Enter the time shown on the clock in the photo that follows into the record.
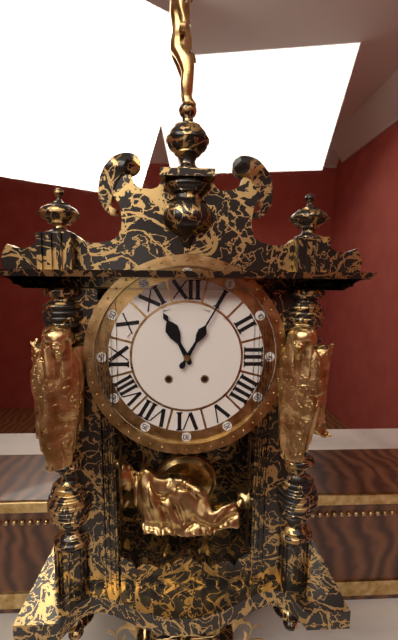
11:05
